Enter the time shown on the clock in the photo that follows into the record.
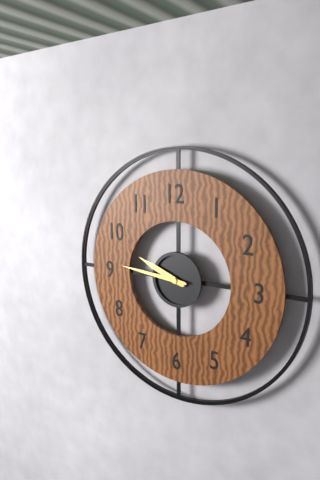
9:46
